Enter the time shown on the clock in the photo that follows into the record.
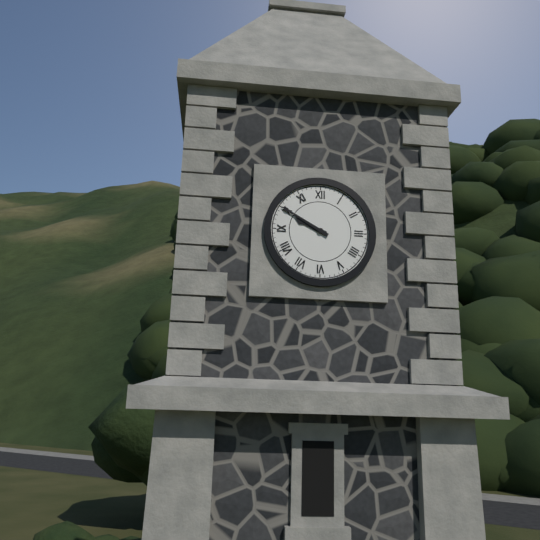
9:50
